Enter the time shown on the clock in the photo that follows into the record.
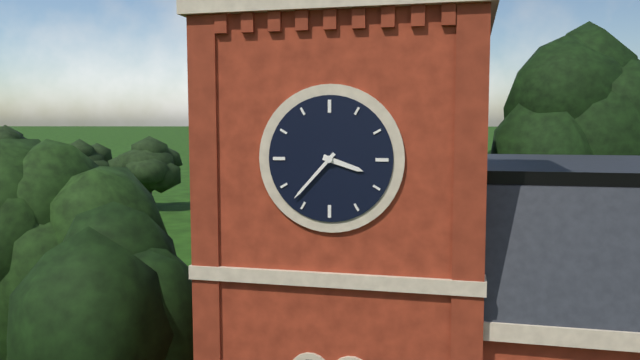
3:37
